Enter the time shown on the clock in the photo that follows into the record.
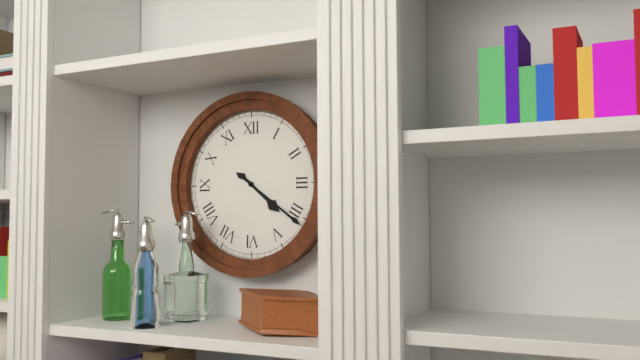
4:21
